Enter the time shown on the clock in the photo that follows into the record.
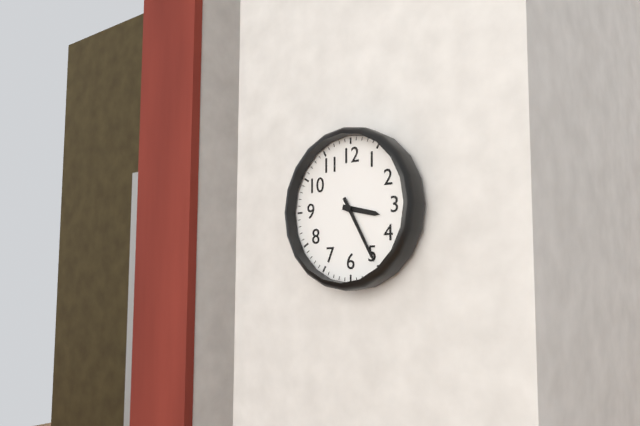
3:25
